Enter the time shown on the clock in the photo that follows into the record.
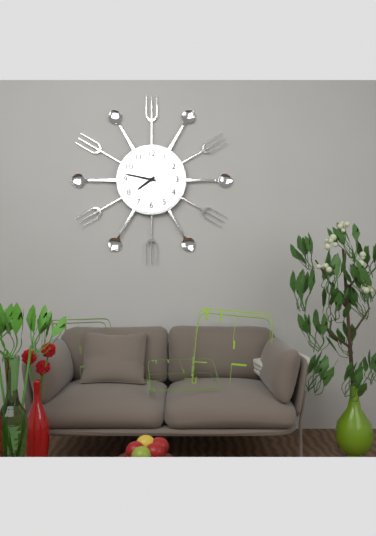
7:47
